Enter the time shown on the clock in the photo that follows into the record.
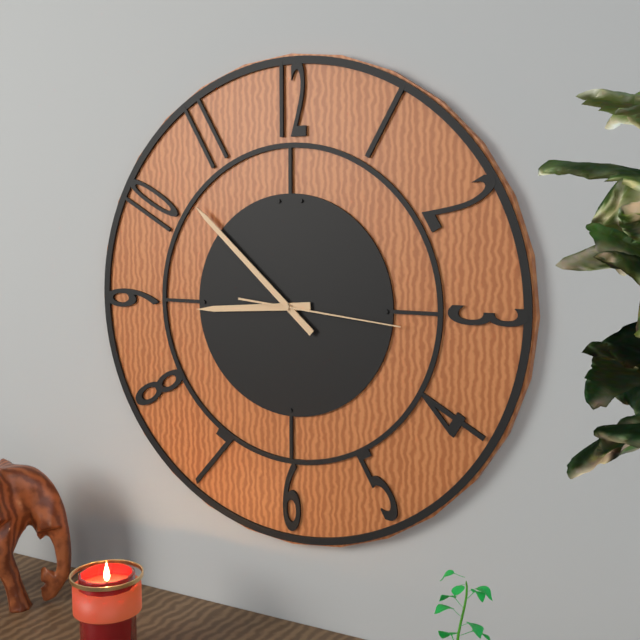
8:52:16
